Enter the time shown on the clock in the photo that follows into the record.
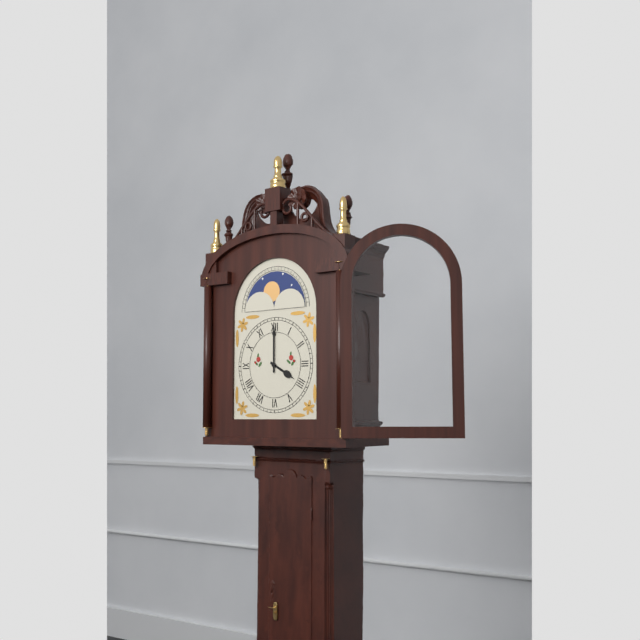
4:00
